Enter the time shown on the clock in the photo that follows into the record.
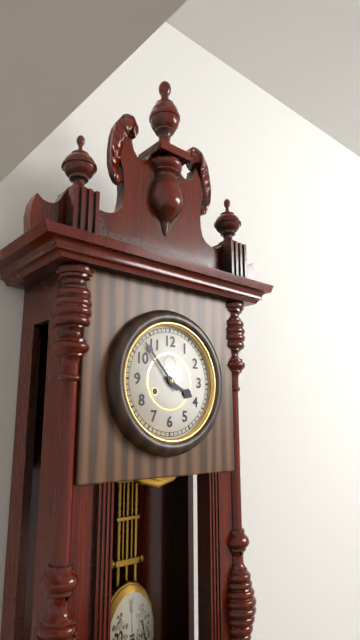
3:53
